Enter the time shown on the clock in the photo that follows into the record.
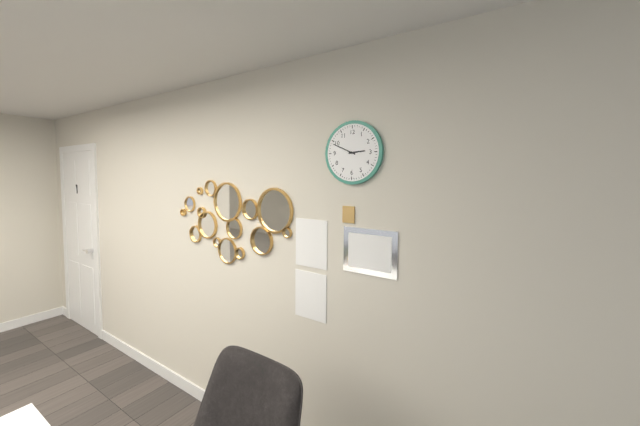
2:49
